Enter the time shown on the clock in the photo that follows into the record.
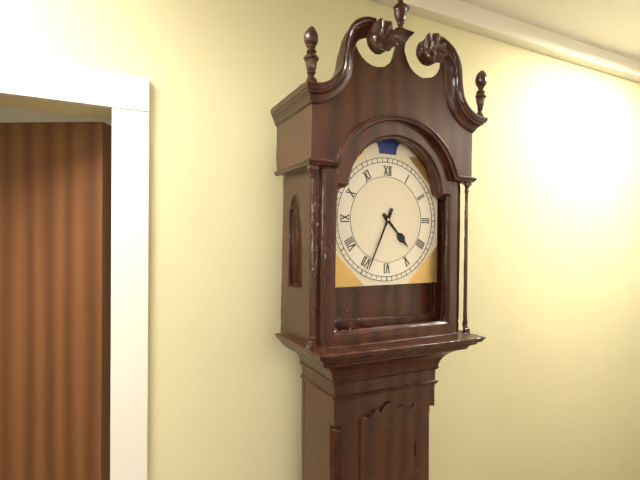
4:34
